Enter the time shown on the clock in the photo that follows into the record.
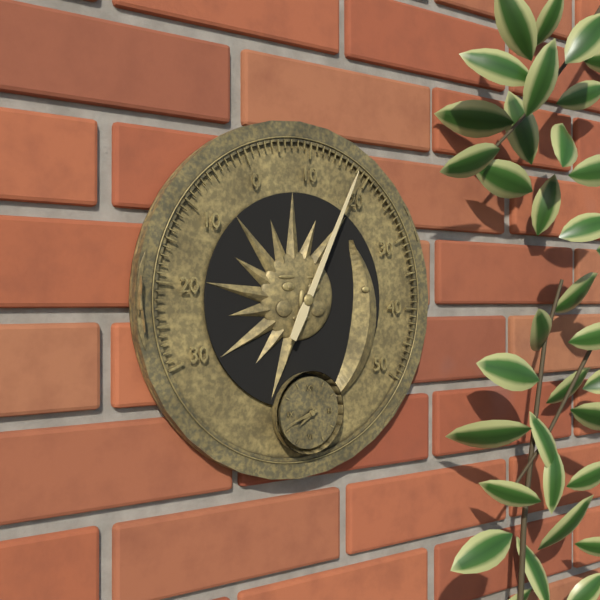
7:42
